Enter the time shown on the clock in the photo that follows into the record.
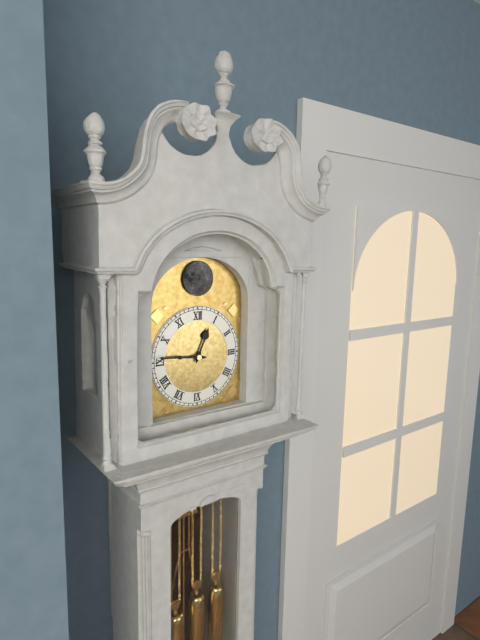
12:46
